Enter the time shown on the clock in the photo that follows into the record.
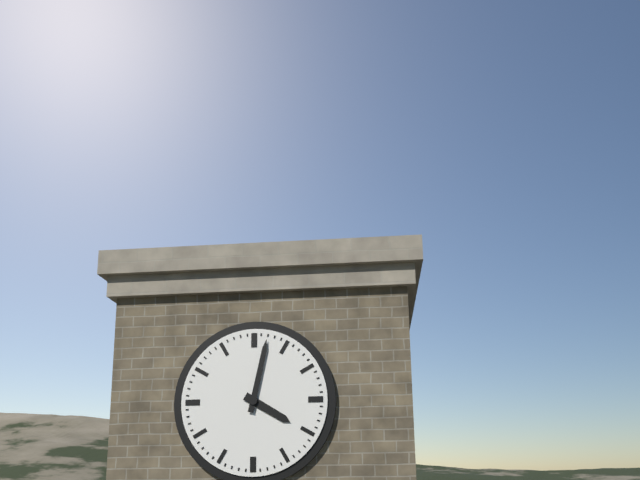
4:02
